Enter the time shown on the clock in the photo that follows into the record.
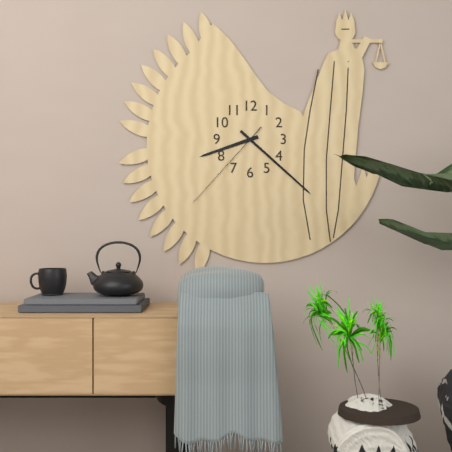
8:22:37
